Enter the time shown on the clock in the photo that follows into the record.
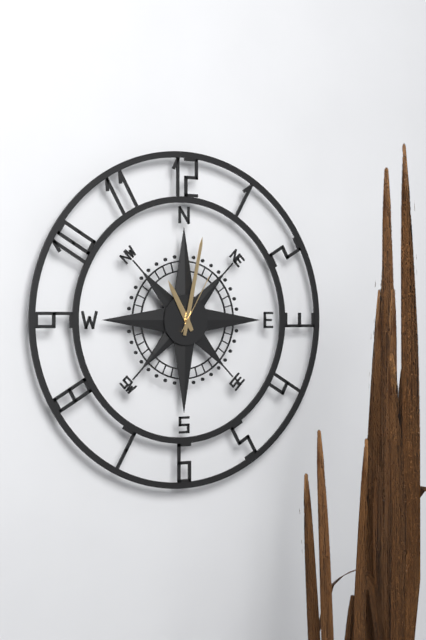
11:02:05
